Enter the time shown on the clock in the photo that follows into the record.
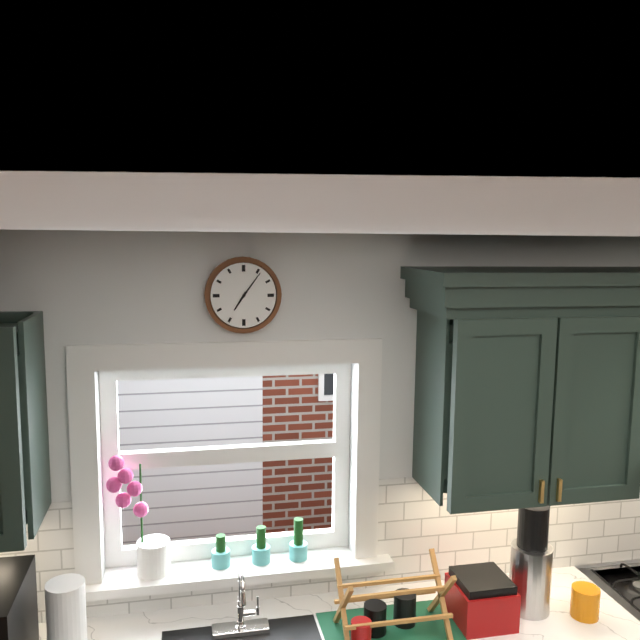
7:06
